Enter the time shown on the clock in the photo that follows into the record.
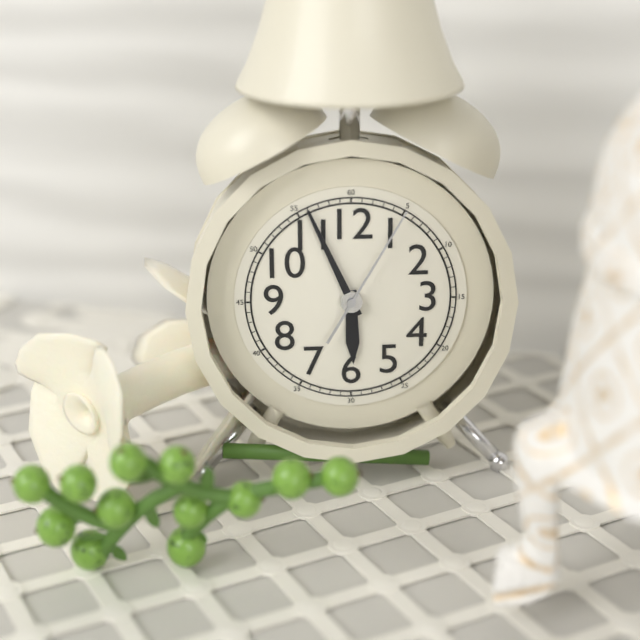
5:56:05
